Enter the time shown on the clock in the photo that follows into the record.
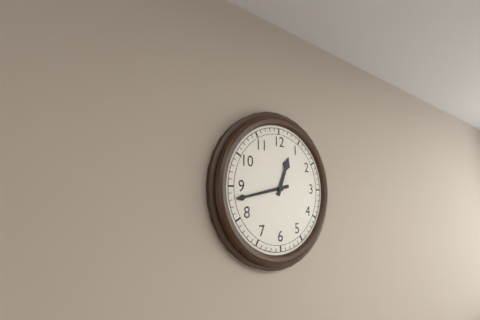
12:43
